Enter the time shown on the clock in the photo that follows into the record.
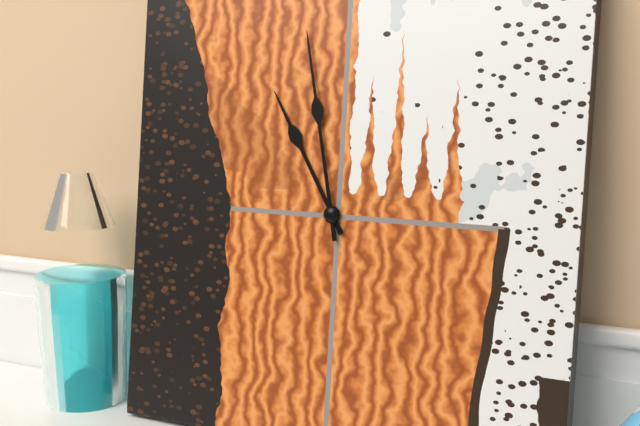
10:58
